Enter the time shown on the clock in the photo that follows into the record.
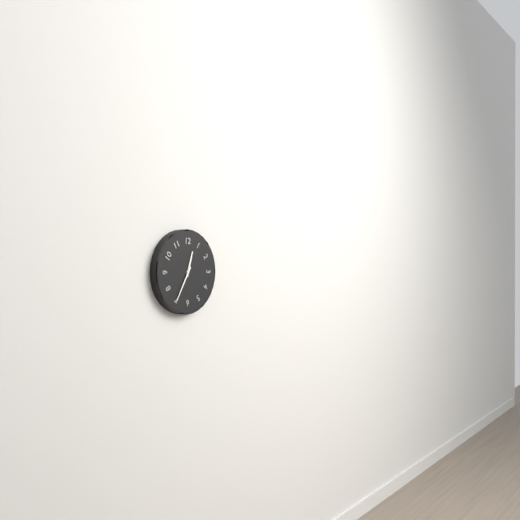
12:35
